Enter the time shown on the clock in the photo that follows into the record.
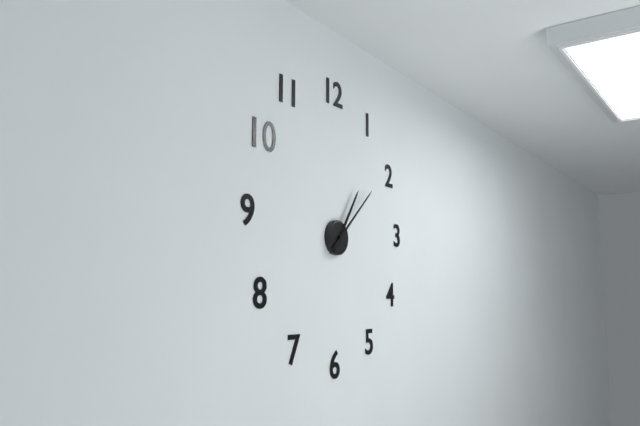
1:08
